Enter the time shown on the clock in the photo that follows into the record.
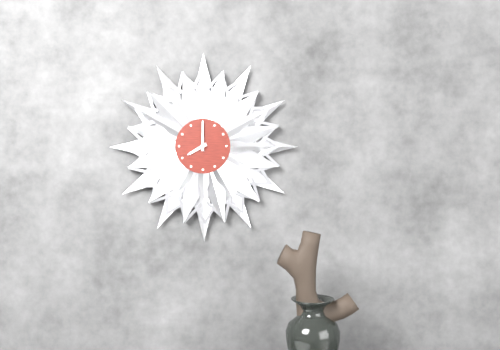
8:00
